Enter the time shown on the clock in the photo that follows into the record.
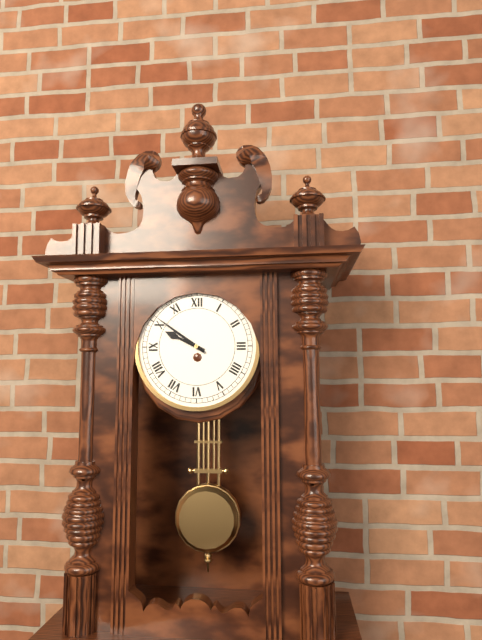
9:51
